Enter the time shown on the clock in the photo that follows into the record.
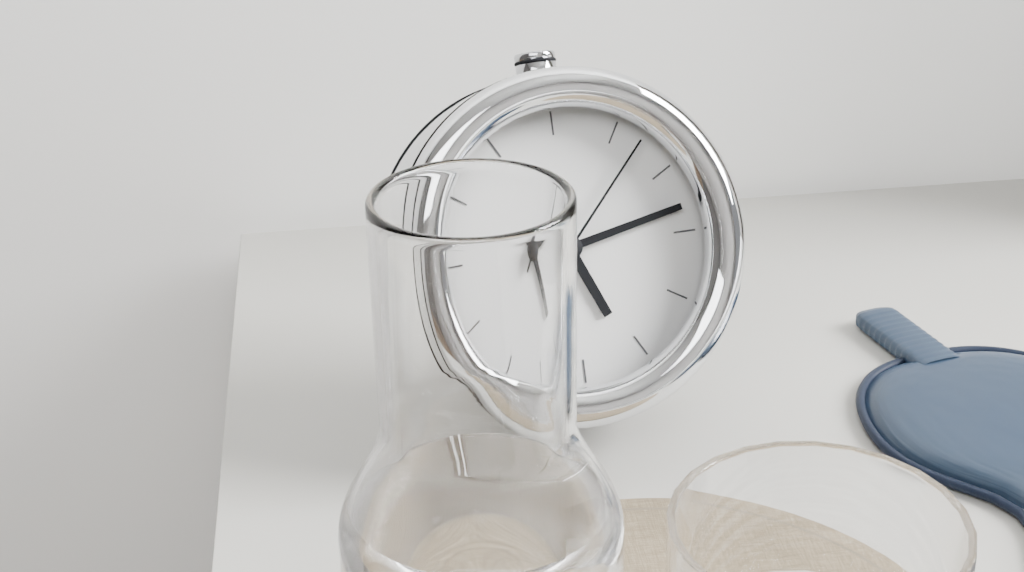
5:13:07
